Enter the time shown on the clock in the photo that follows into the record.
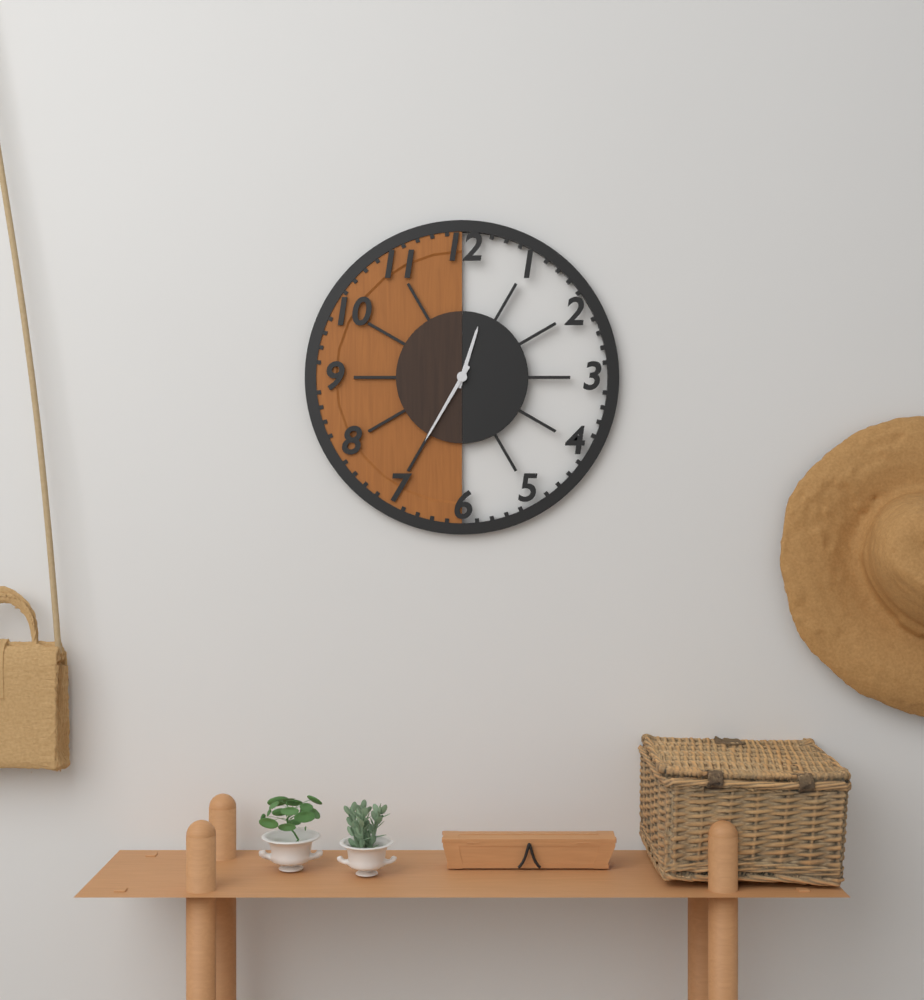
12:35
